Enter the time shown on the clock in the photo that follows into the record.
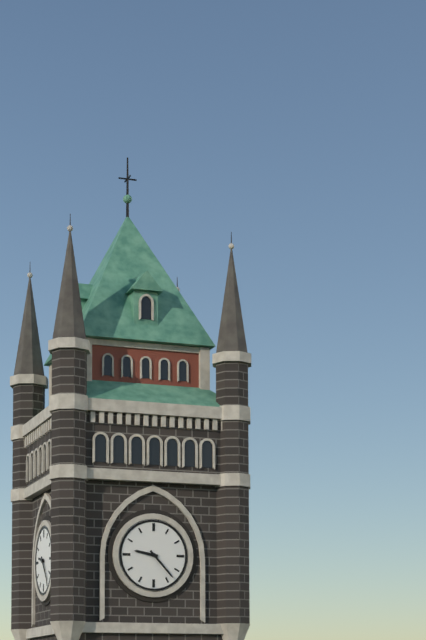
9:23
